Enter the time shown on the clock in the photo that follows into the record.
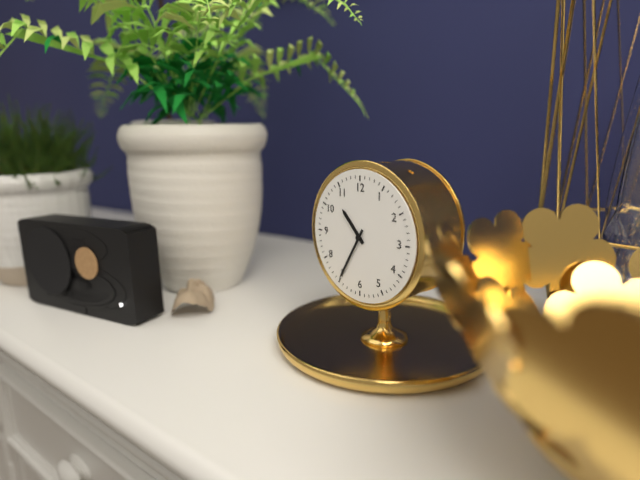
10:35
